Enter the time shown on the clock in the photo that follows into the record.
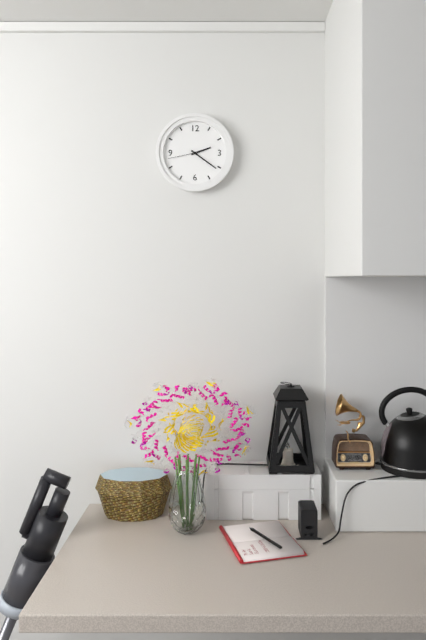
2:21
